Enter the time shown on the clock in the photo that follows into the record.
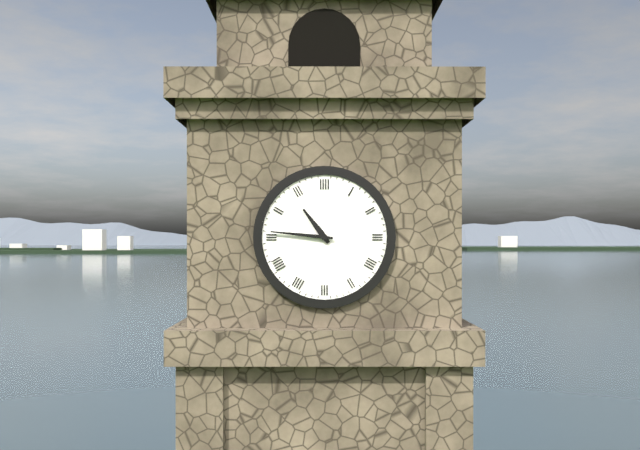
10:46
